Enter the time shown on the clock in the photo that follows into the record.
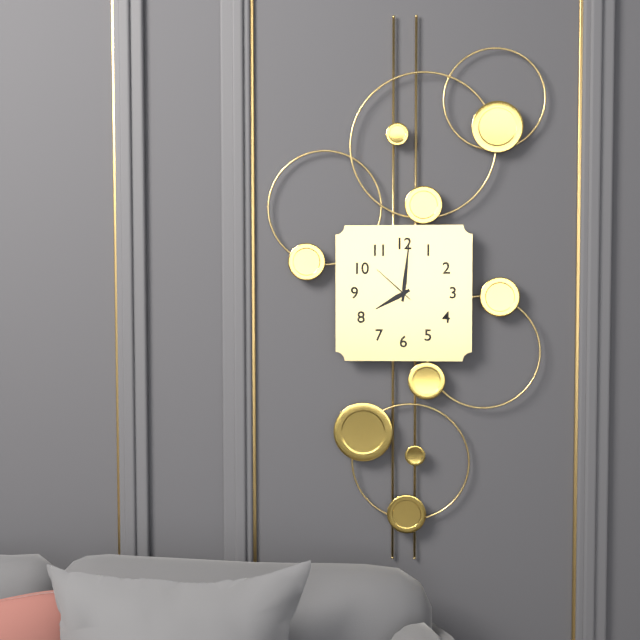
8:01
